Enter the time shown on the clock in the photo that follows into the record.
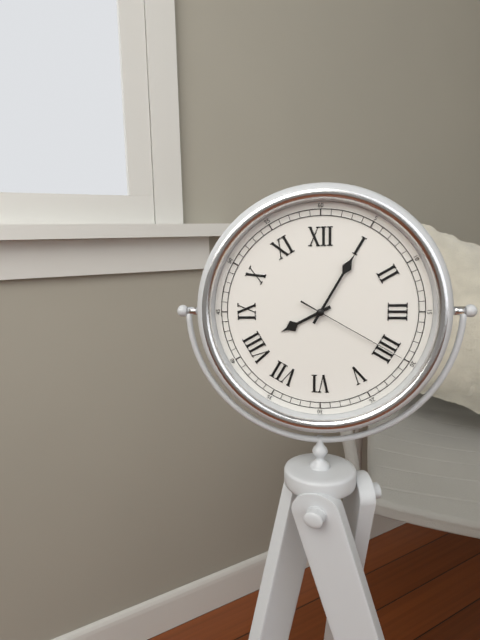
8:05:20
